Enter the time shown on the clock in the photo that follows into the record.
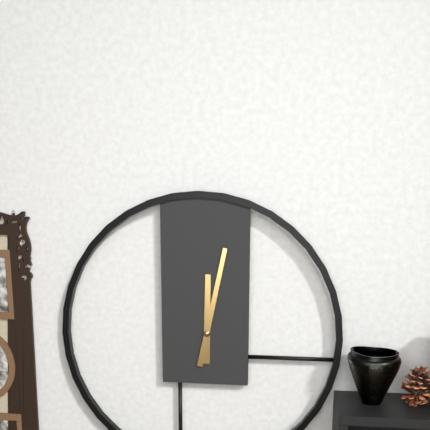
12:02
